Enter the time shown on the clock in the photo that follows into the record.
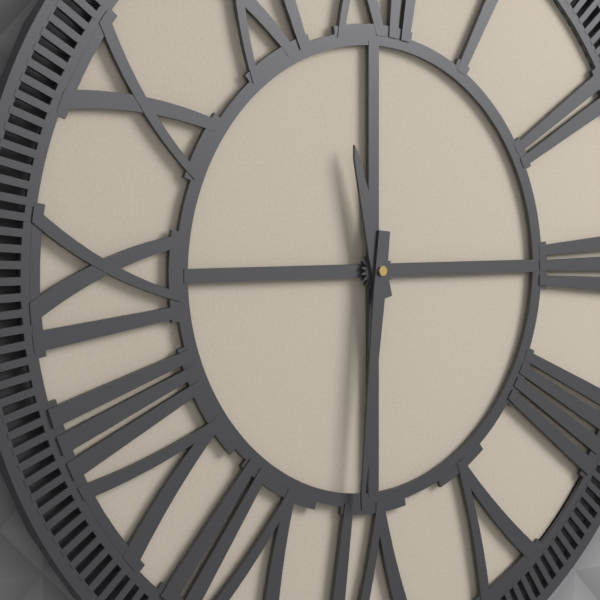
11:31
